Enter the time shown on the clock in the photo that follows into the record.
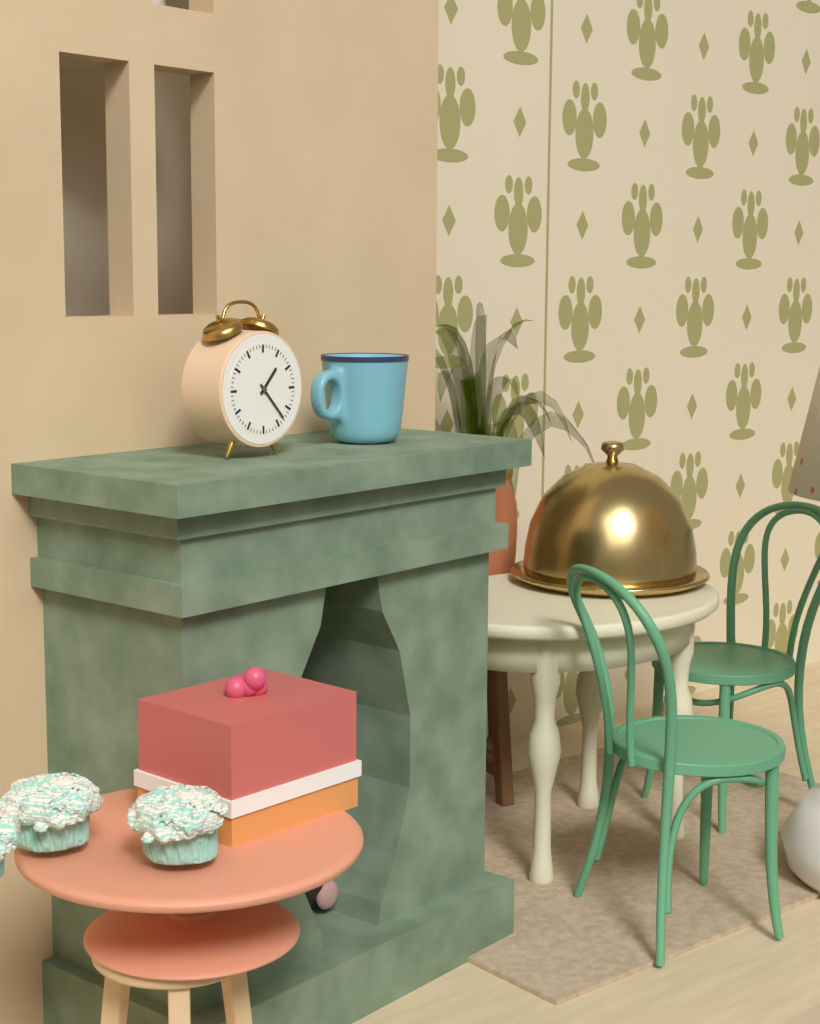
1:23
